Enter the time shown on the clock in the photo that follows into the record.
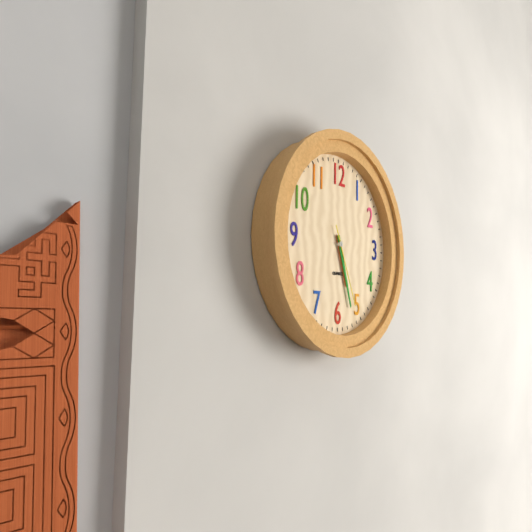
5:27:26
